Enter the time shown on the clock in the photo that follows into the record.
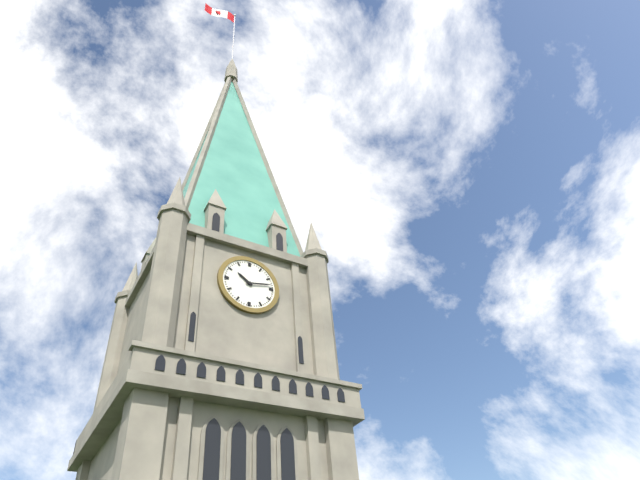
10:13
